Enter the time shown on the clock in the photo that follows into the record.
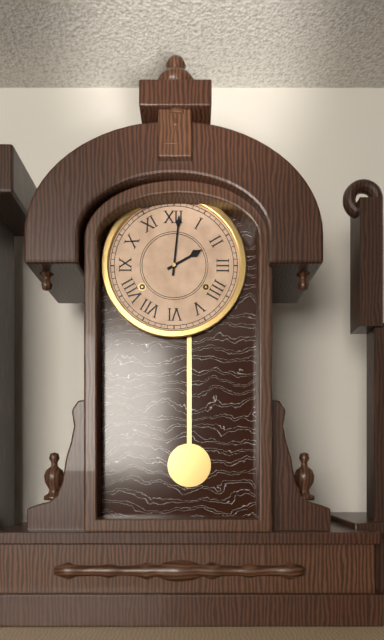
2:01
